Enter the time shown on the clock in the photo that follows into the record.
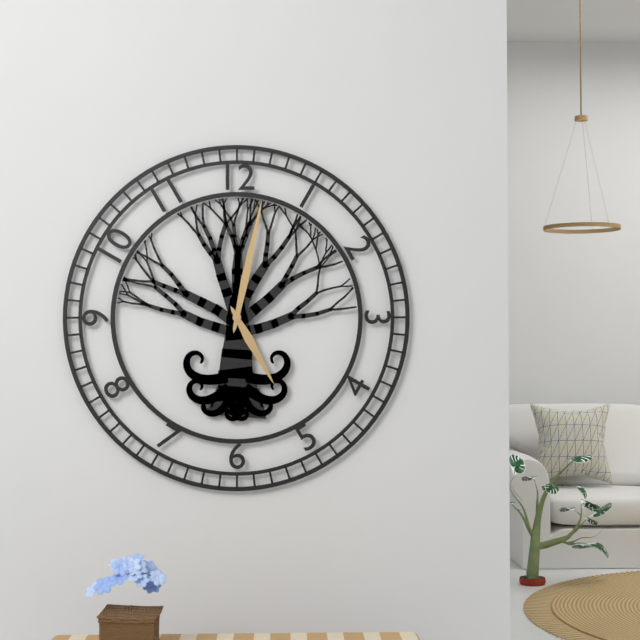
5:02
